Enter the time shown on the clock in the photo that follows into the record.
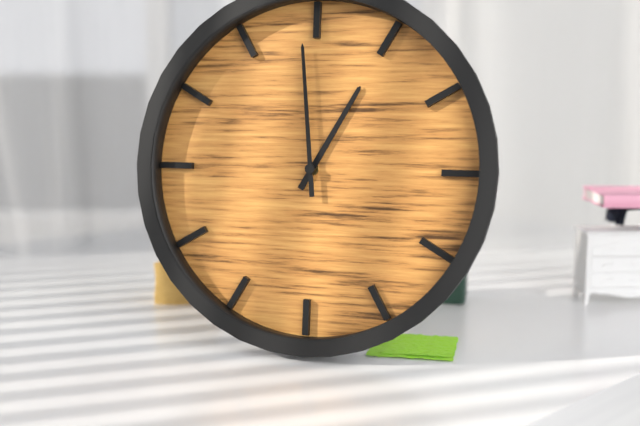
12:59
